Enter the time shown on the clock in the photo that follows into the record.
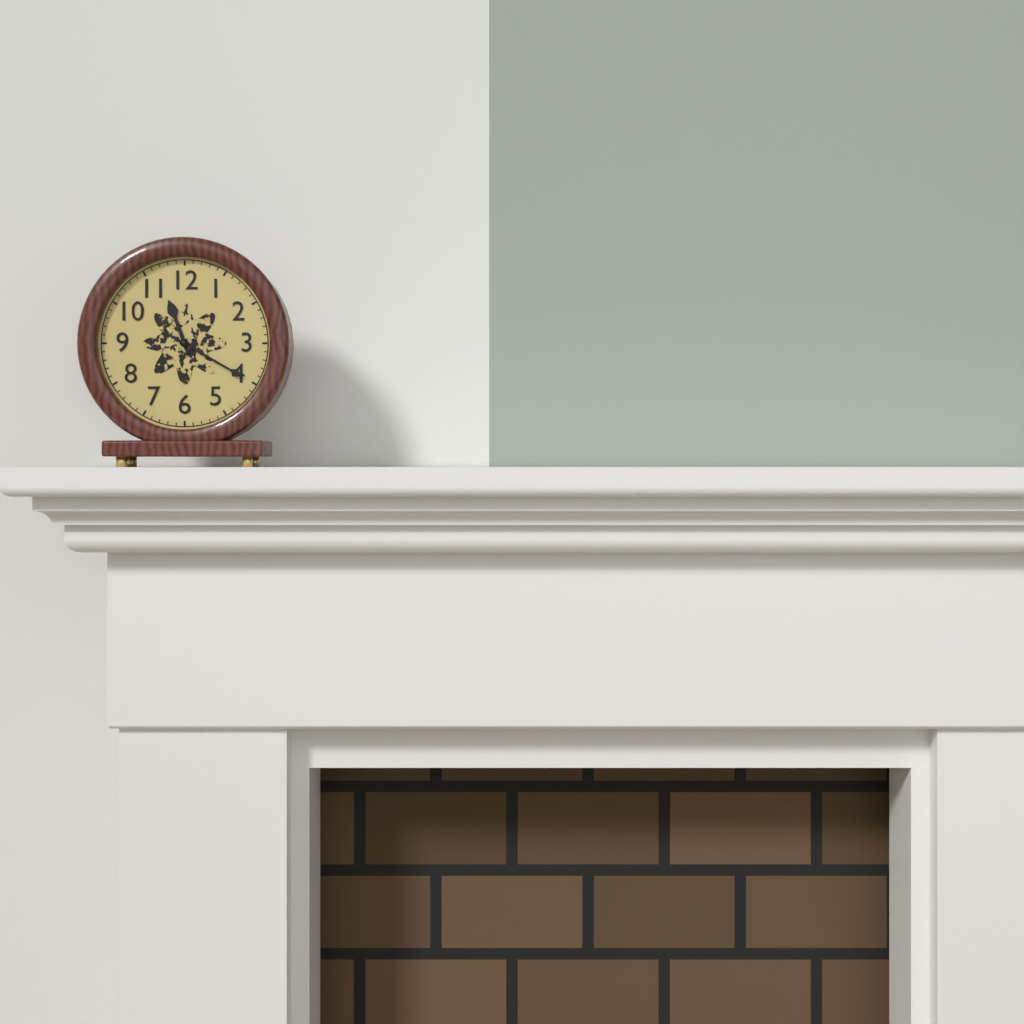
11:20
